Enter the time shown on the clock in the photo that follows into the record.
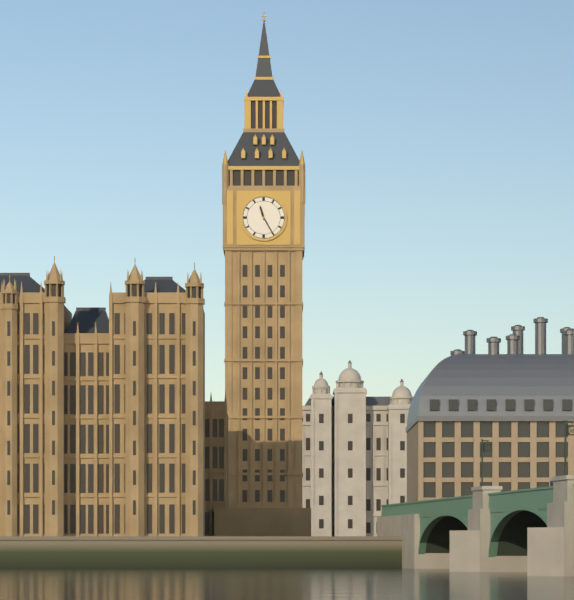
11:25
